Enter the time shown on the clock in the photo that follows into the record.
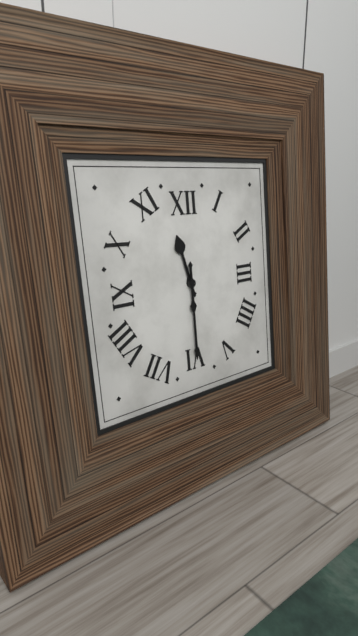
11:30
